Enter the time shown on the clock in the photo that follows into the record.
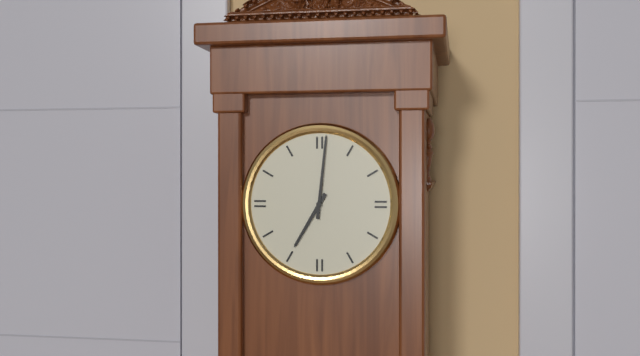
7:01
